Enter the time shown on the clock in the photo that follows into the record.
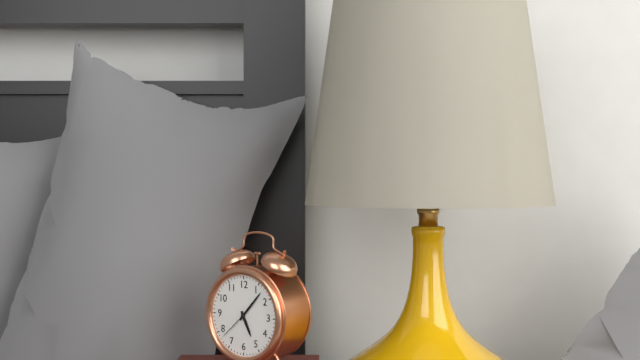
5:07
